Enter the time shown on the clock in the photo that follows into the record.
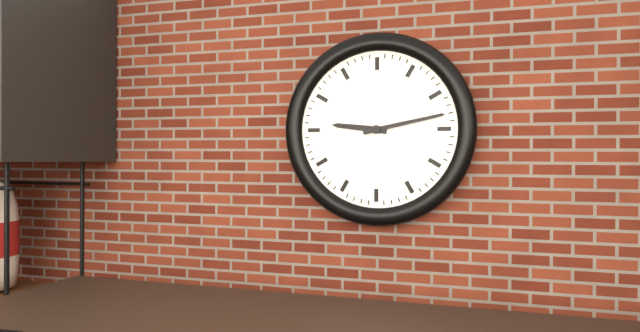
9:13
